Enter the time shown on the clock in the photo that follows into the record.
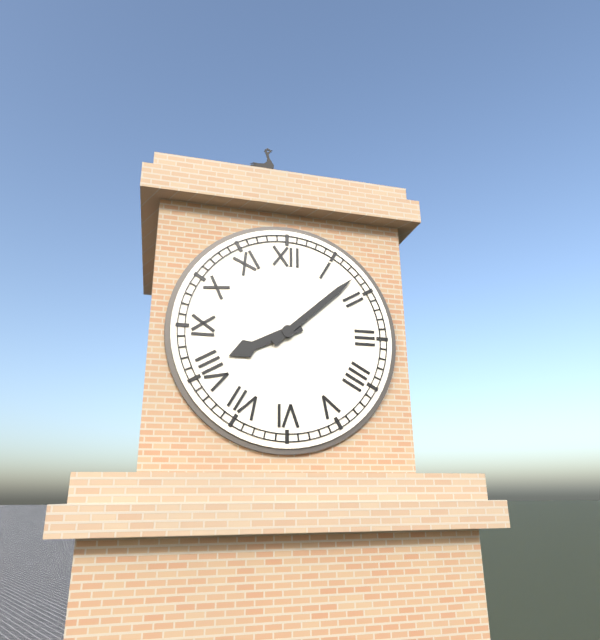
8:08
